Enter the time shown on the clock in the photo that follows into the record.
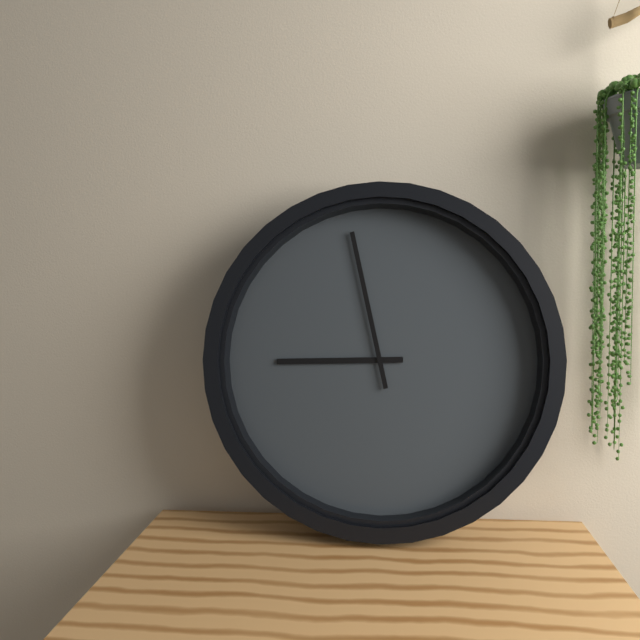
8:58
